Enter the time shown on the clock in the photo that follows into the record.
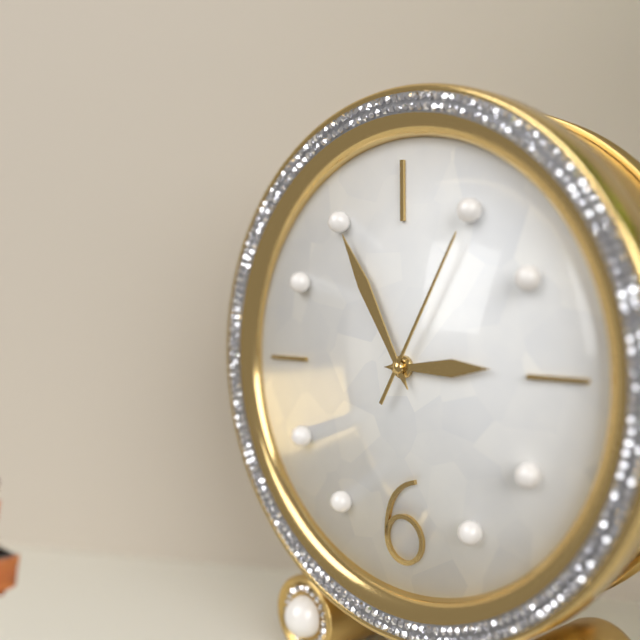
2:55:05
